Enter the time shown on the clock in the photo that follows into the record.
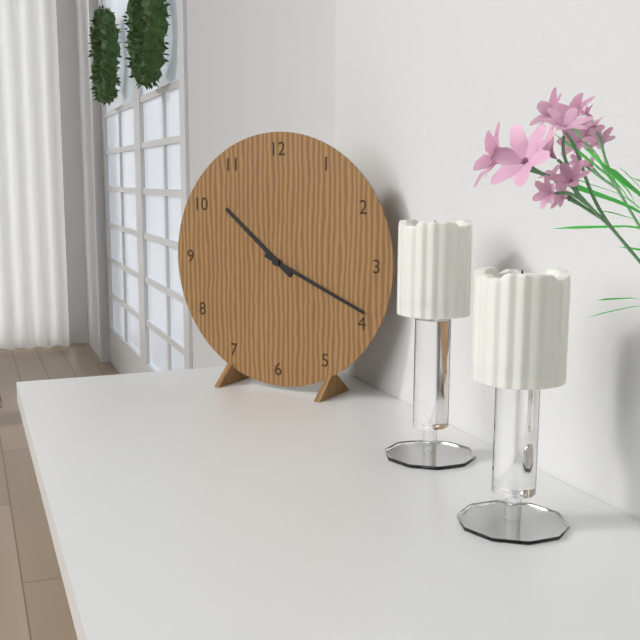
10:19
